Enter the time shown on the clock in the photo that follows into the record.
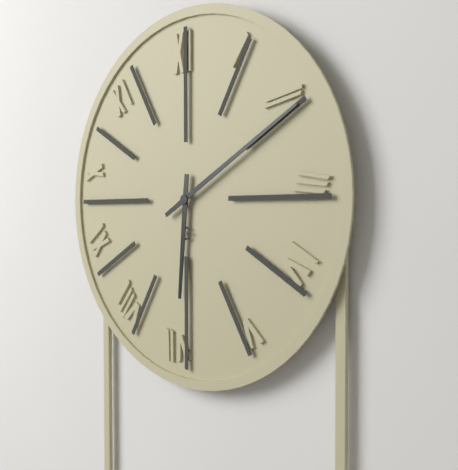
6:10
